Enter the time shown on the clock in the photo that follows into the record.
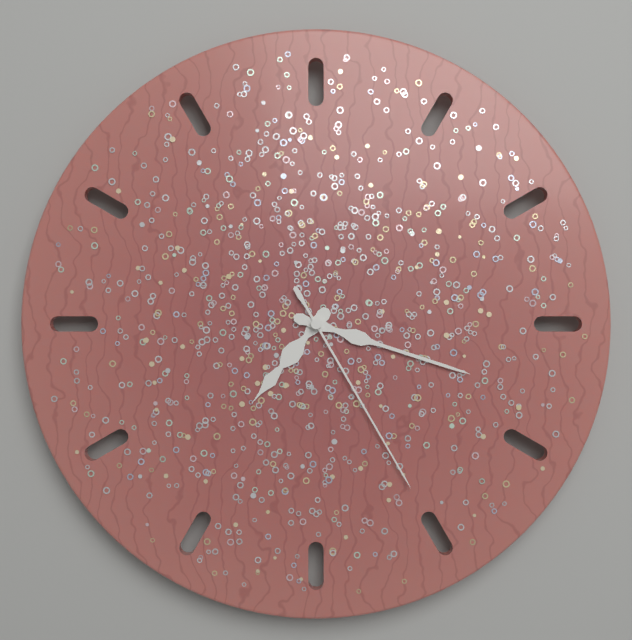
7:18:25
